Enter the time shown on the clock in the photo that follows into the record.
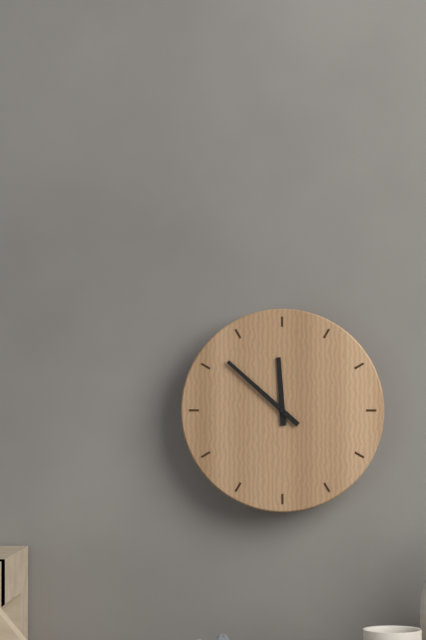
11:52
